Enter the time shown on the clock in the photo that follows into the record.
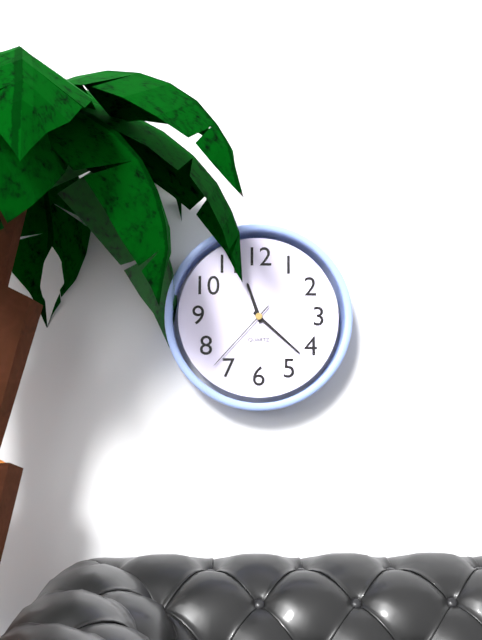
11:22:37
